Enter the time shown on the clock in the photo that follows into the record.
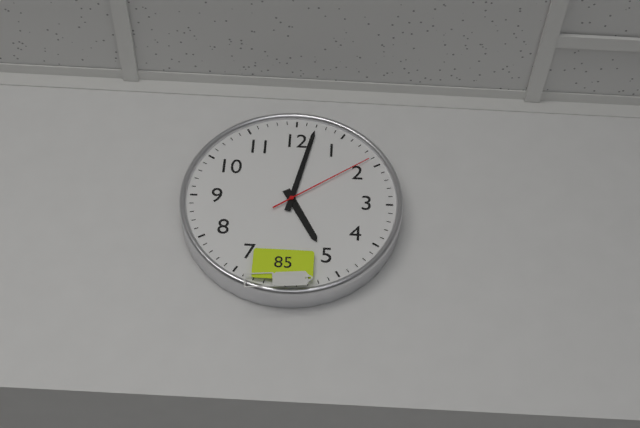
5:02:09
